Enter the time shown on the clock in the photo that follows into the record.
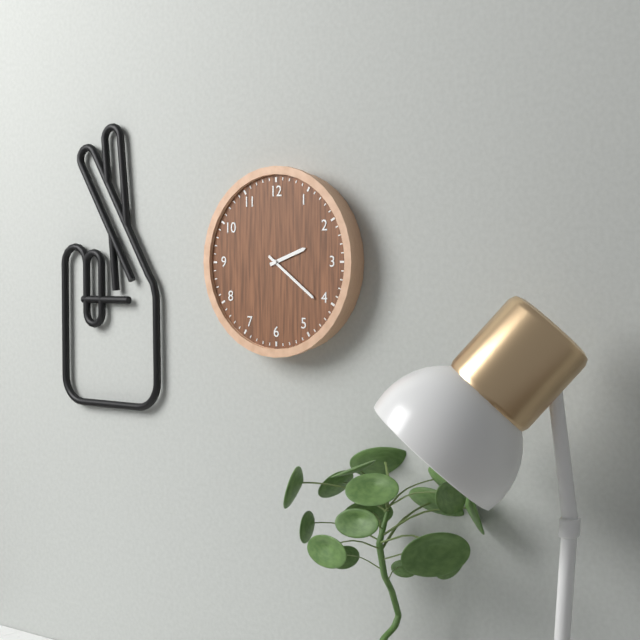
2:21
